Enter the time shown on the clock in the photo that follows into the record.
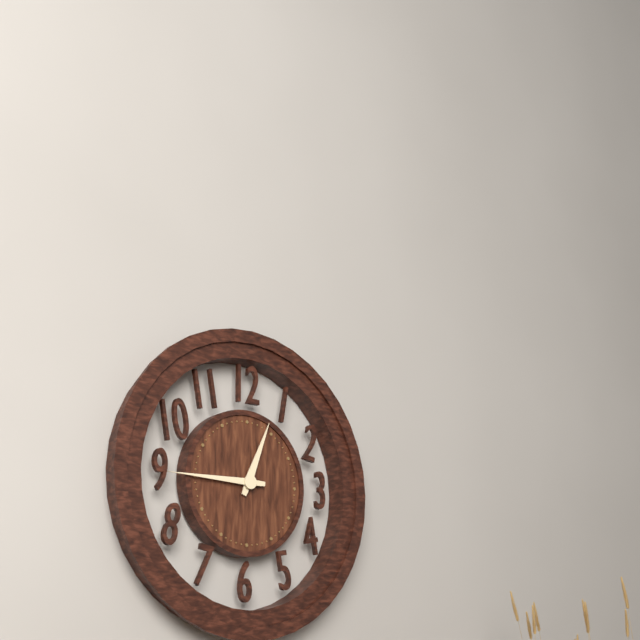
12:45
